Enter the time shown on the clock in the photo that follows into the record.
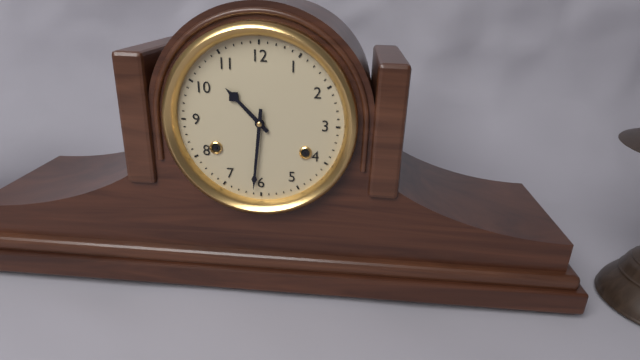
10:31
